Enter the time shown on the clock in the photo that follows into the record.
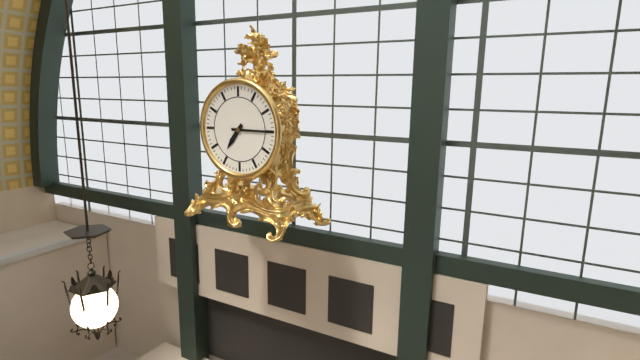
7:15
